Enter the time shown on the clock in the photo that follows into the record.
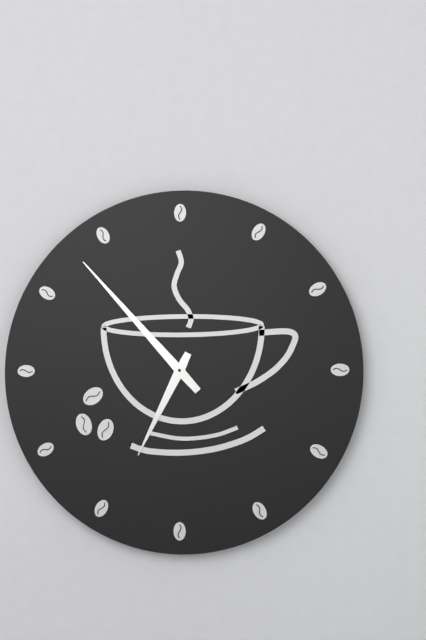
6:53
